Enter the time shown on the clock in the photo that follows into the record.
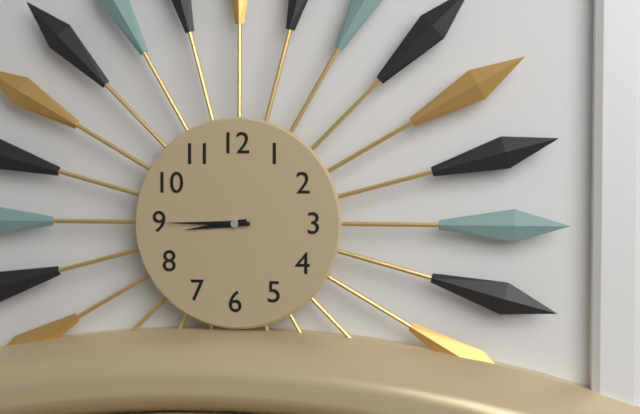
8:45
